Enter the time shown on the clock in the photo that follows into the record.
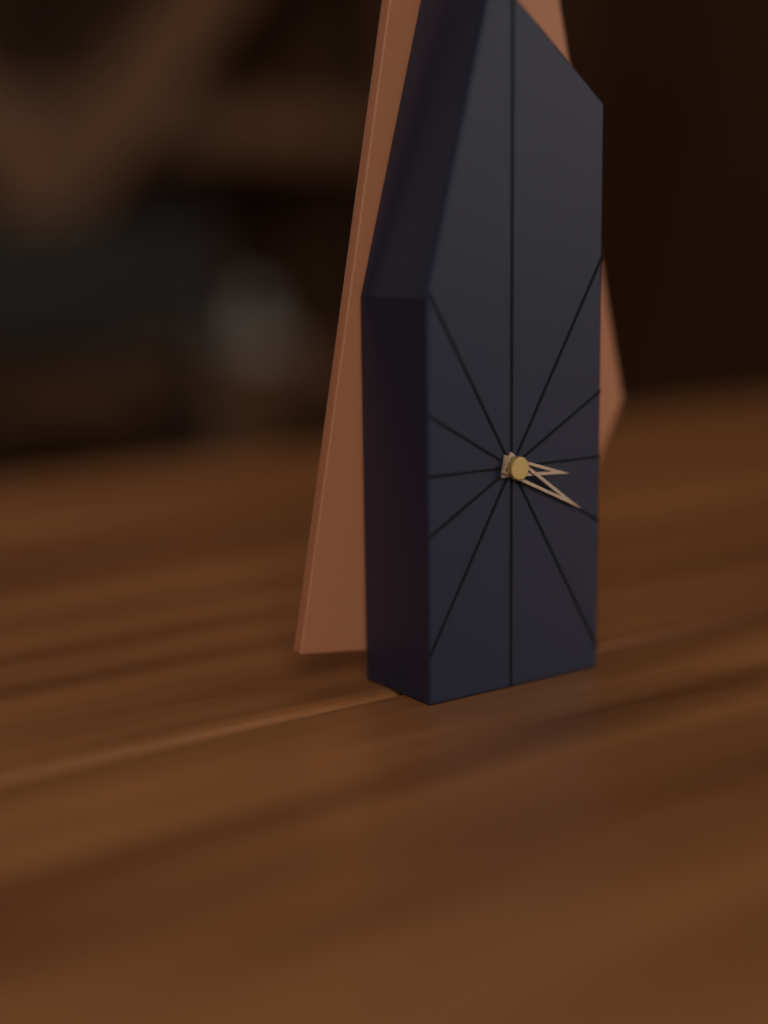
3:20
